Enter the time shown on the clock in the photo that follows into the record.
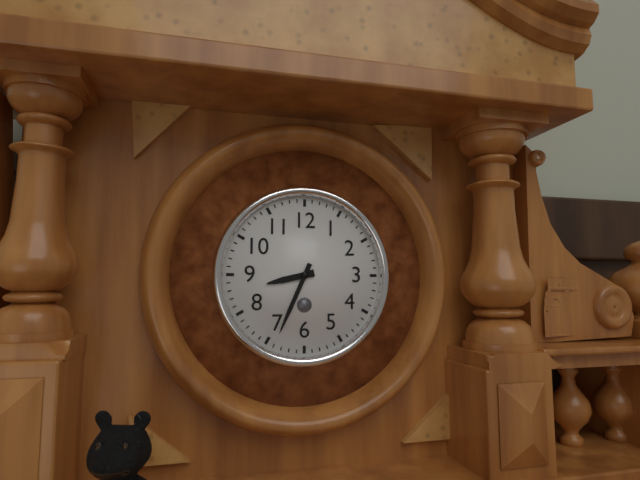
8:34
